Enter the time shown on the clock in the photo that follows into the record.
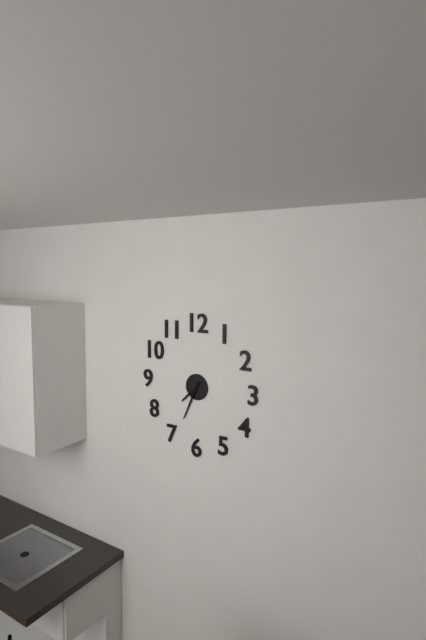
7:34
